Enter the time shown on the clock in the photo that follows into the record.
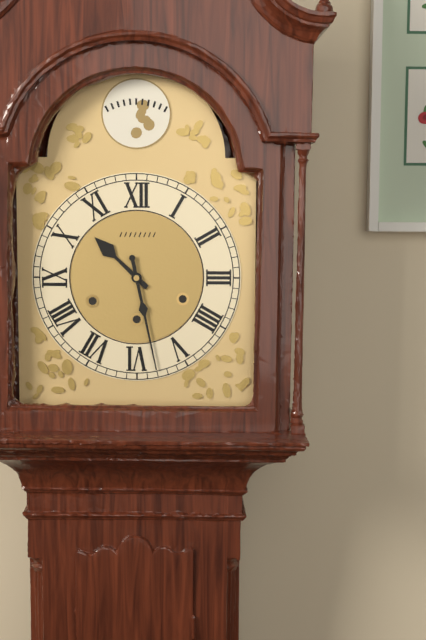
10:28
